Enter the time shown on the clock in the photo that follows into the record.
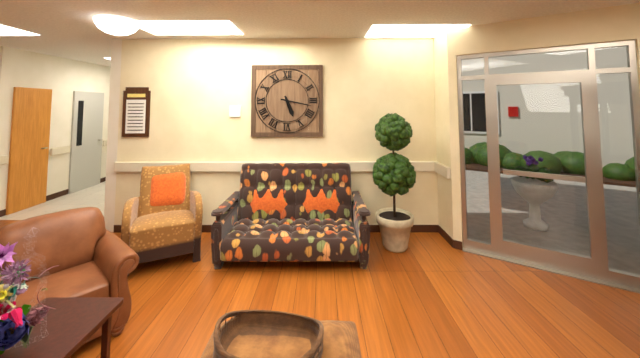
5:17
